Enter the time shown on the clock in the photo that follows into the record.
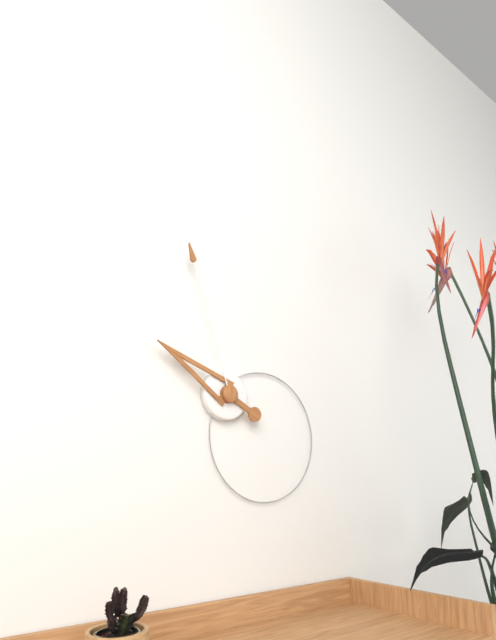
9:57
